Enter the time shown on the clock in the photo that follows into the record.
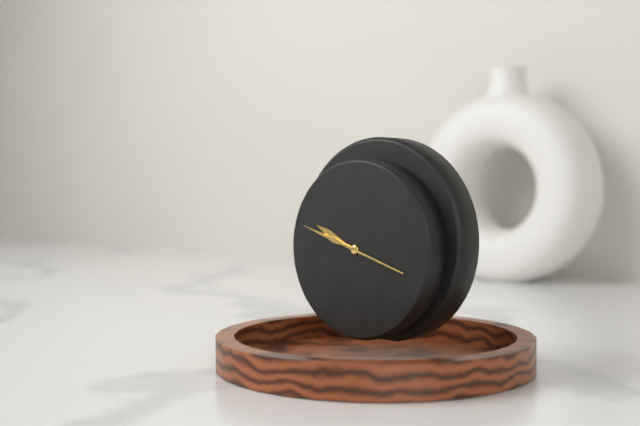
9:48
